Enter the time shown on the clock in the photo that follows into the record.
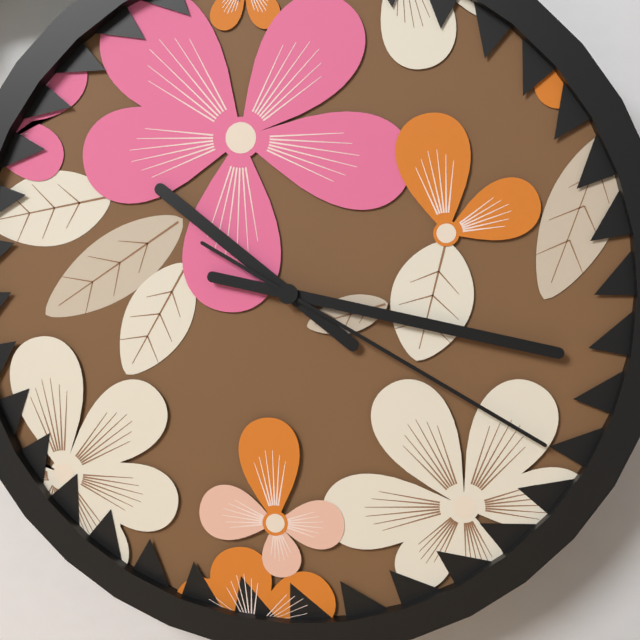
10:17:20
